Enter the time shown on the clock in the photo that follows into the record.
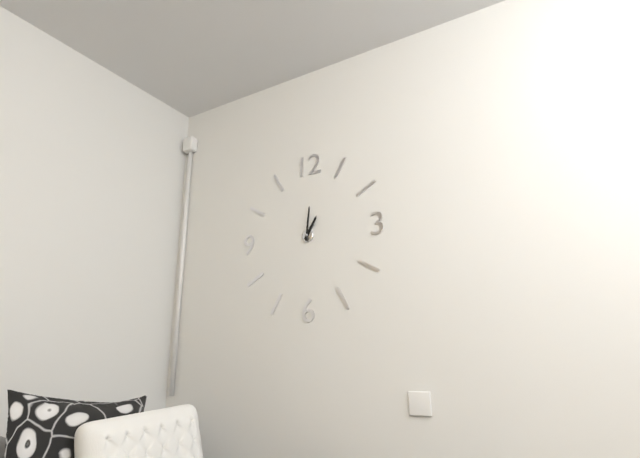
1:01
